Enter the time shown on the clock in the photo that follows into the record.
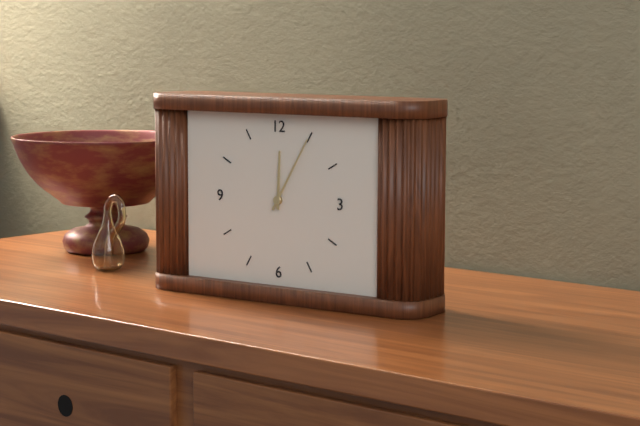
12:05
